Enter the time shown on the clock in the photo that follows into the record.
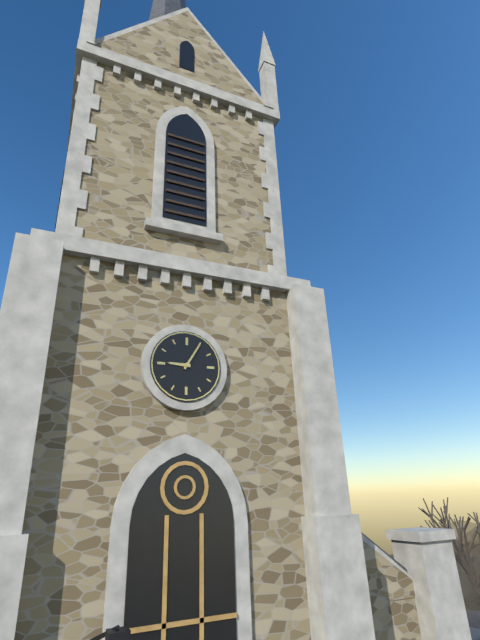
9:05
